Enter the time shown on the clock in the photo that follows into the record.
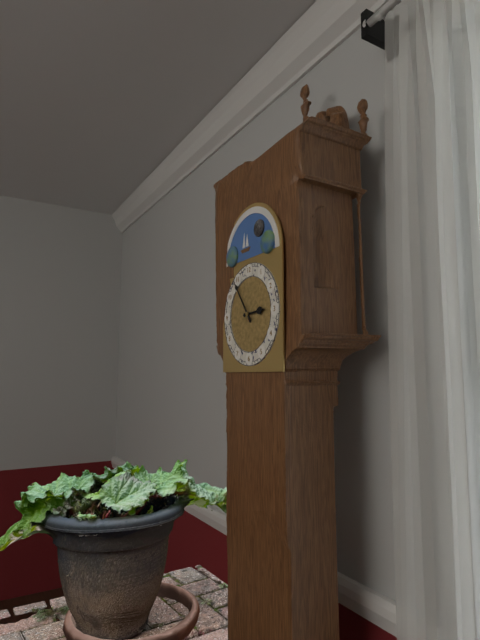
2:54
